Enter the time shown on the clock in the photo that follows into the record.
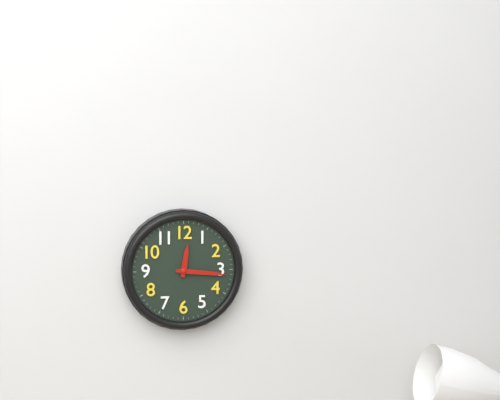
12:16
